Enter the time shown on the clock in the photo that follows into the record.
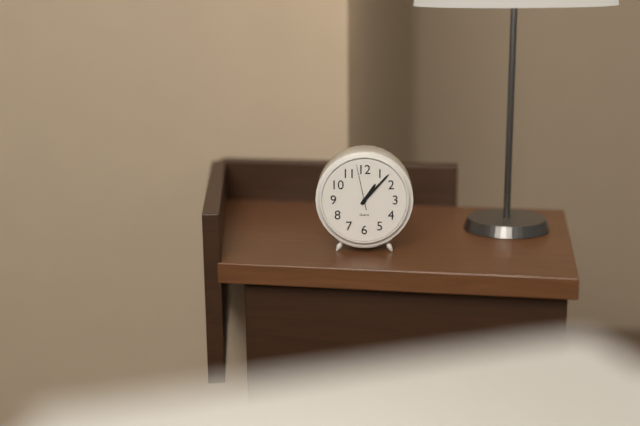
1:07
